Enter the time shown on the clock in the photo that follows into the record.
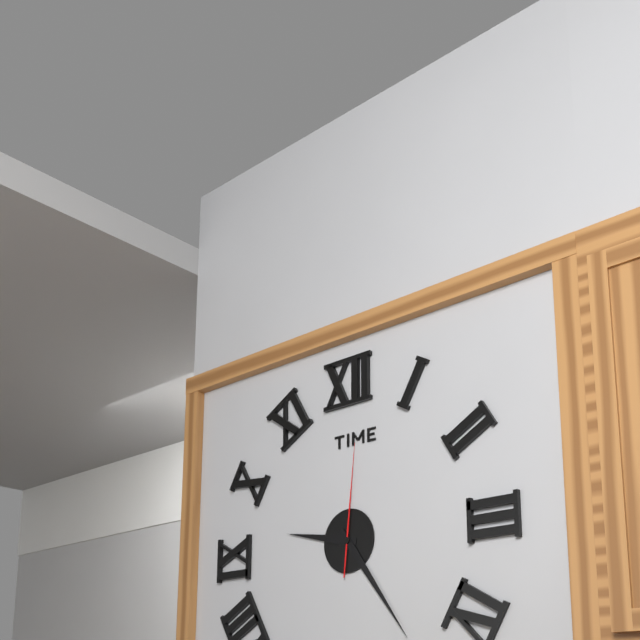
9:24:01
